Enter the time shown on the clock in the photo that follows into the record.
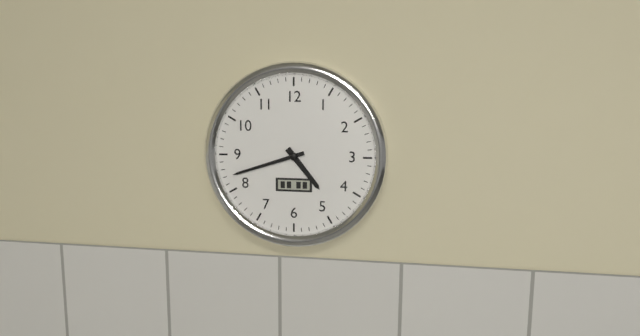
4:42
